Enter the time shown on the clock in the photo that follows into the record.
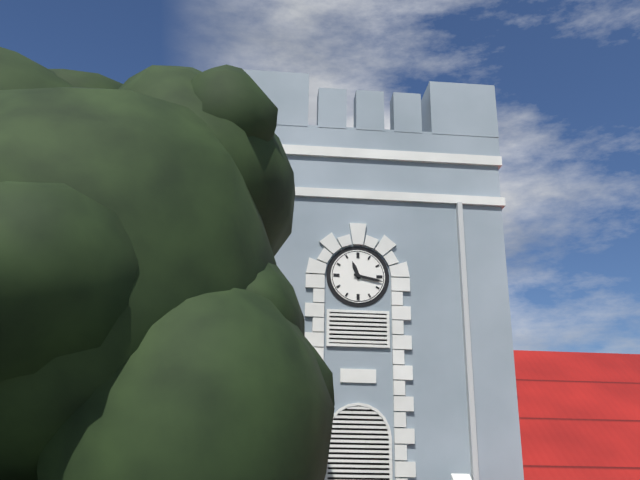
11:17
